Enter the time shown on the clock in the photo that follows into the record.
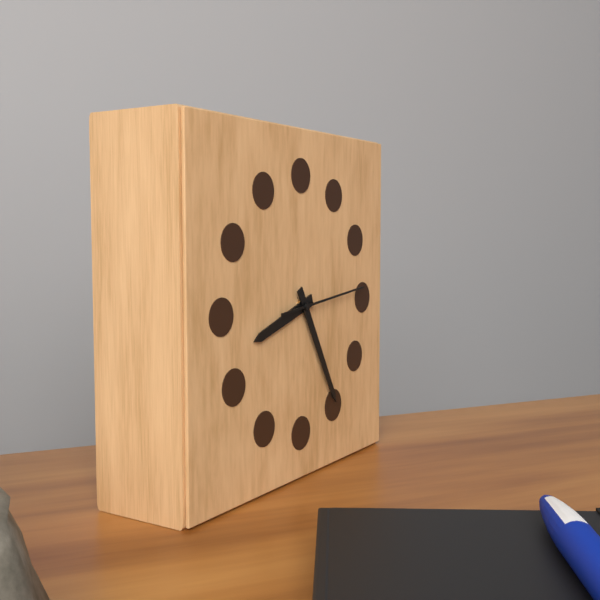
8:25:14
